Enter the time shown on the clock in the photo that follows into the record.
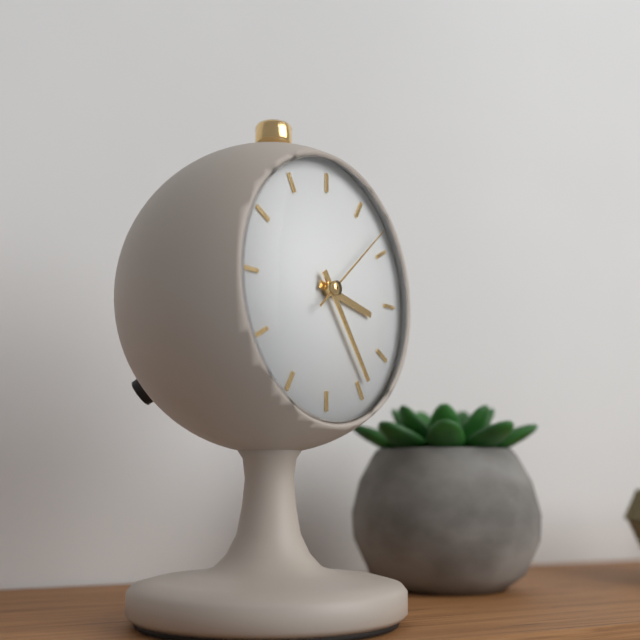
3:24:08
